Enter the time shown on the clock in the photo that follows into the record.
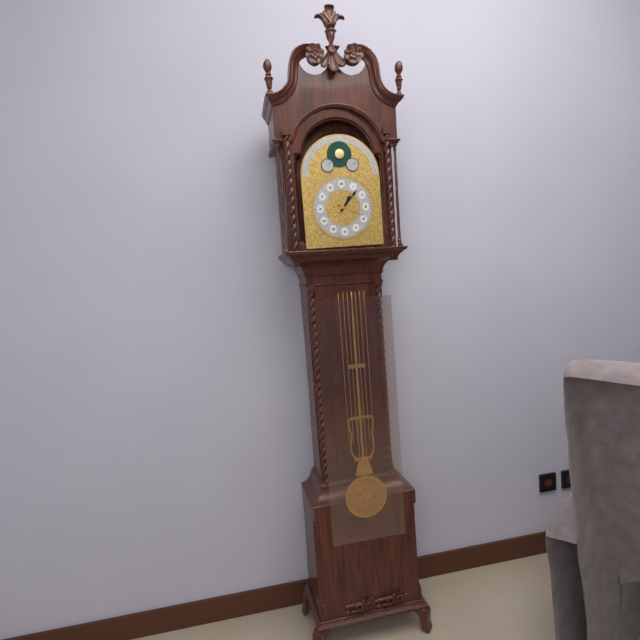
1:07
